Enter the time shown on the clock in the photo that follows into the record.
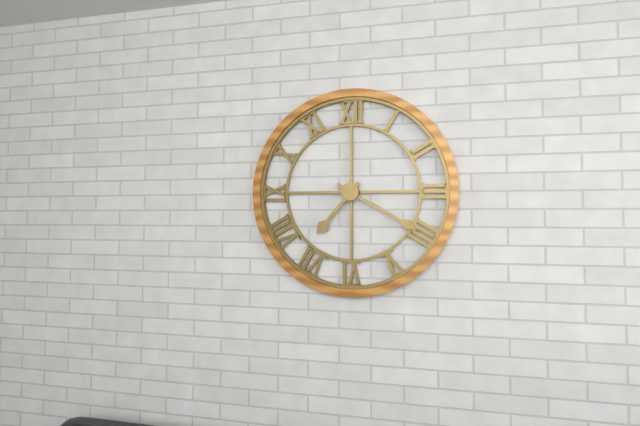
7:20
